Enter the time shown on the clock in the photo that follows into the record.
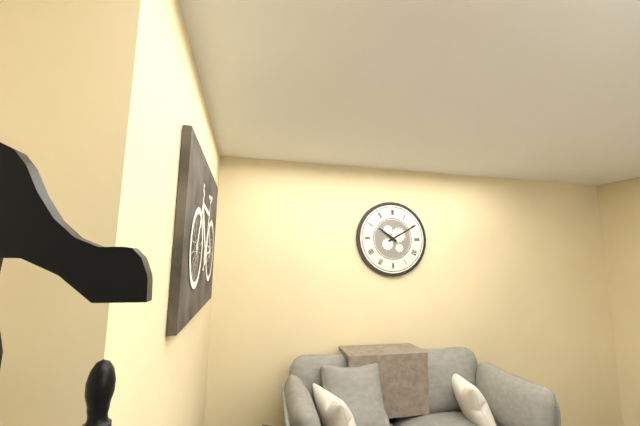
10:10
